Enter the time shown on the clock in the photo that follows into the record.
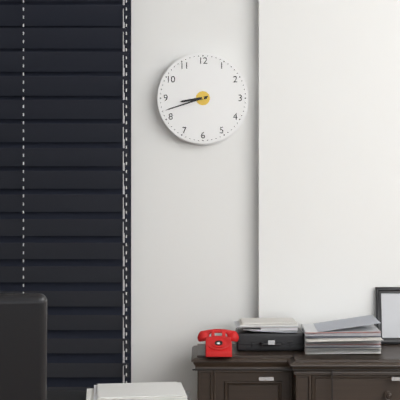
8:42
